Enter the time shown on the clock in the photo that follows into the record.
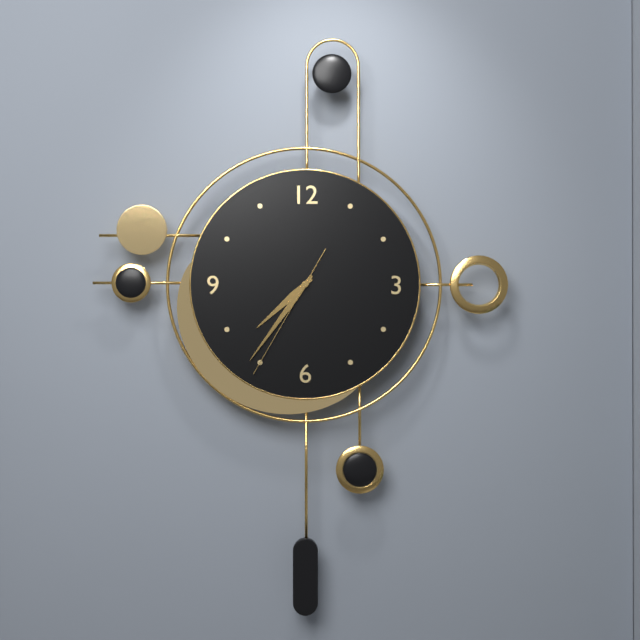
7:36:35
